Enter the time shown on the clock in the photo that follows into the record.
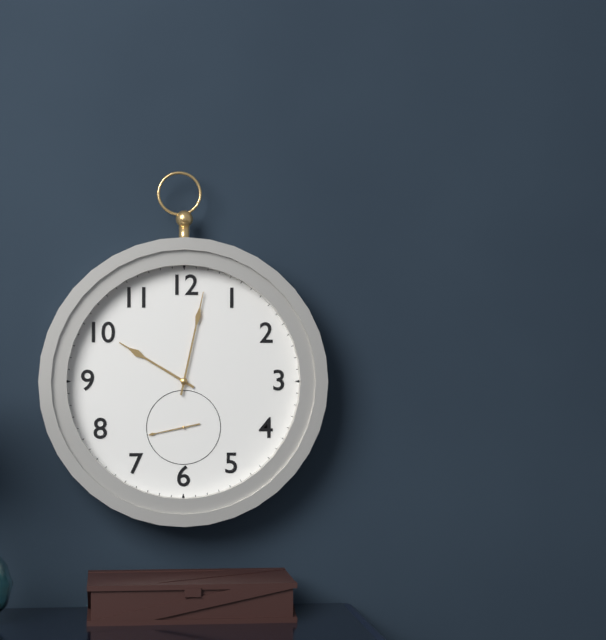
10:02
